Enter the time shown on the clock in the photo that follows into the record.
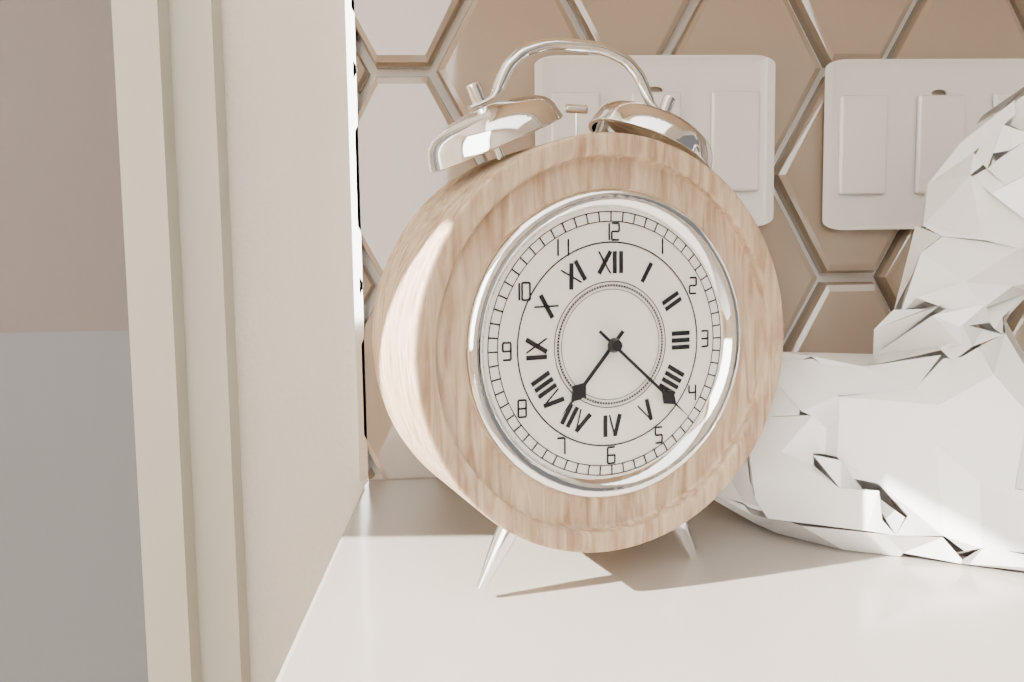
7:22
